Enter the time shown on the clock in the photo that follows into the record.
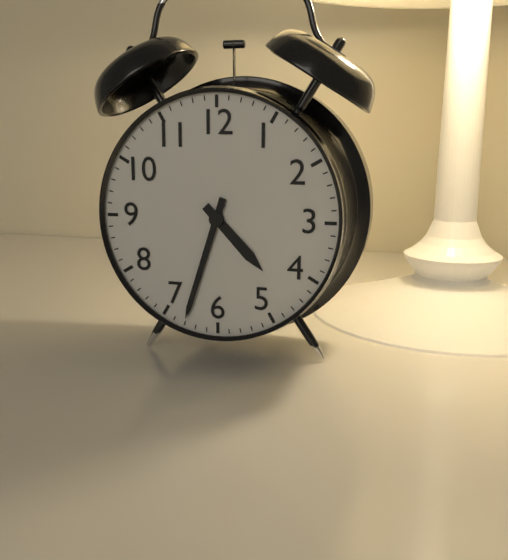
4:33
